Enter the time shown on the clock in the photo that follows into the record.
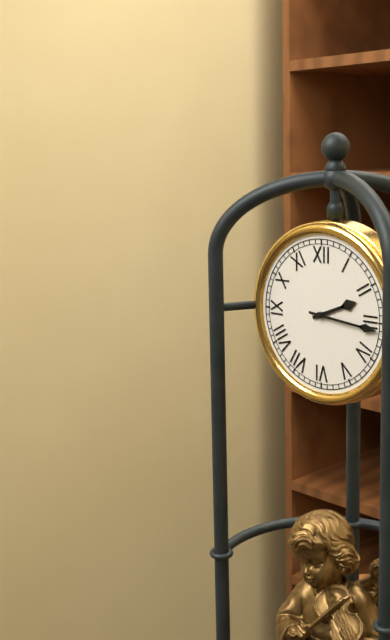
2:16
